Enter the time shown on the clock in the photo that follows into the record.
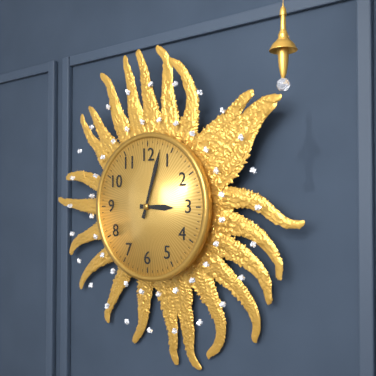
3:03
